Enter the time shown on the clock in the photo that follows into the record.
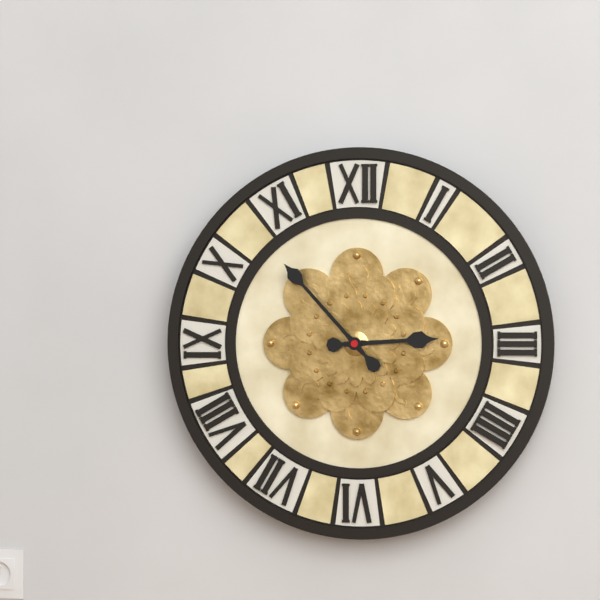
2:53
